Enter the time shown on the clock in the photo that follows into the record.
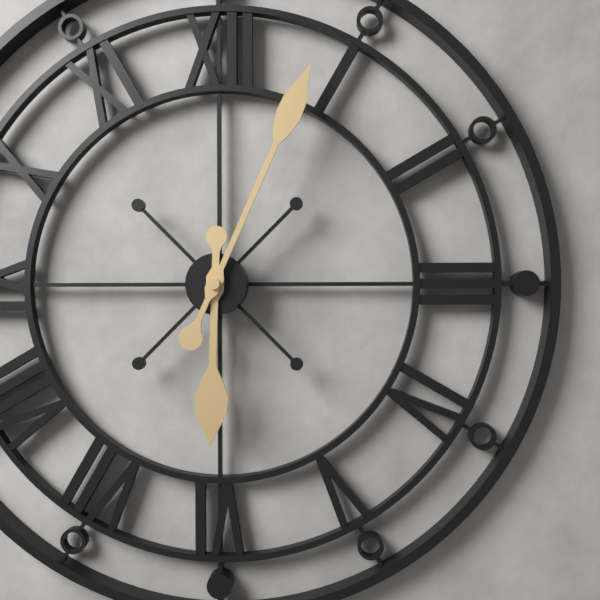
6:04
